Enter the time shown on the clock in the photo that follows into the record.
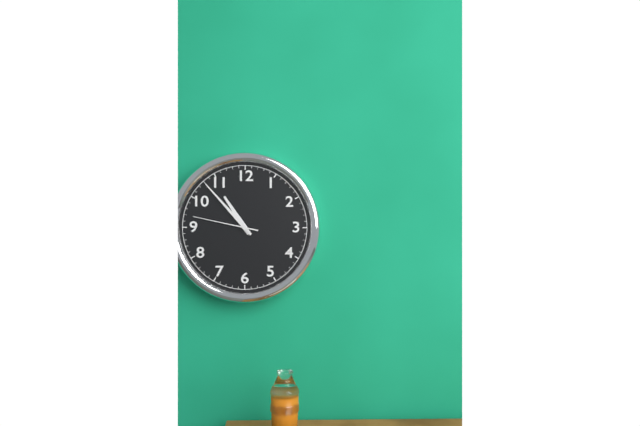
10:53:47
